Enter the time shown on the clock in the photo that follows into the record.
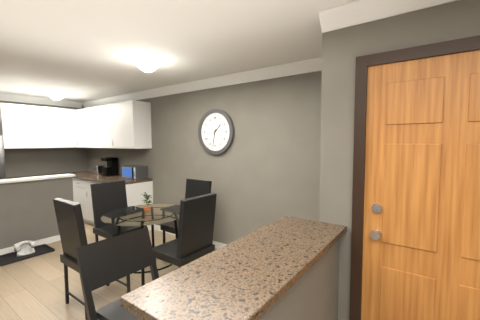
1:32
